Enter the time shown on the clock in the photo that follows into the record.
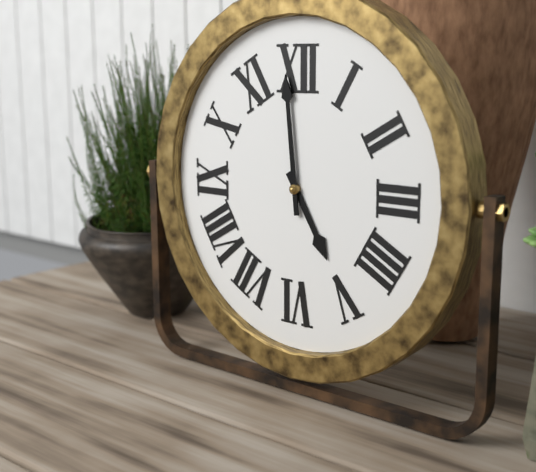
4:59
